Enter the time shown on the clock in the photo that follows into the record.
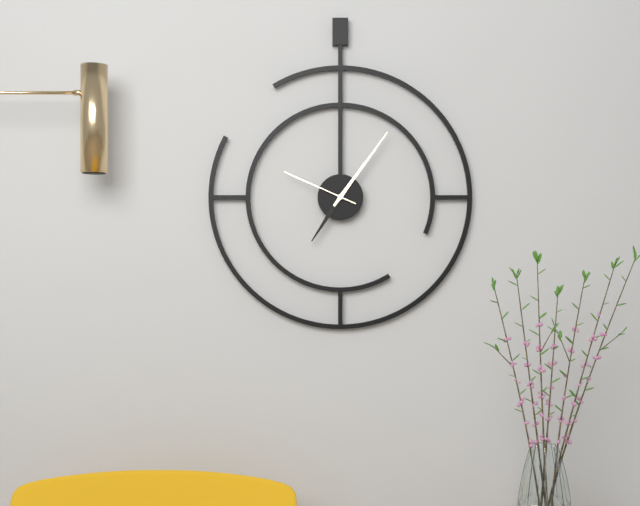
7:06:49
